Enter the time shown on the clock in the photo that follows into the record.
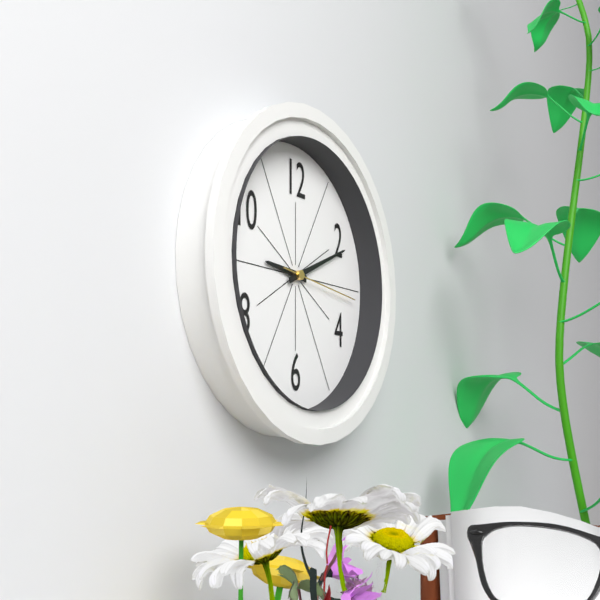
9:11:16
